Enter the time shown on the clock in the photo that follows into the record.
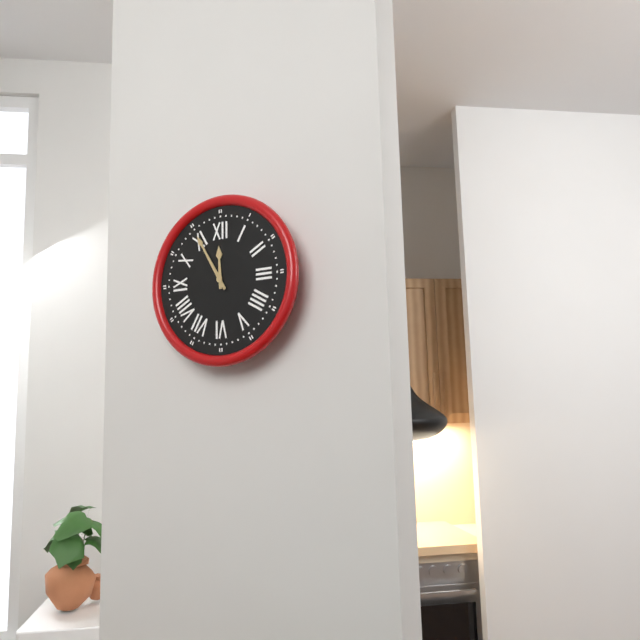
11:55
